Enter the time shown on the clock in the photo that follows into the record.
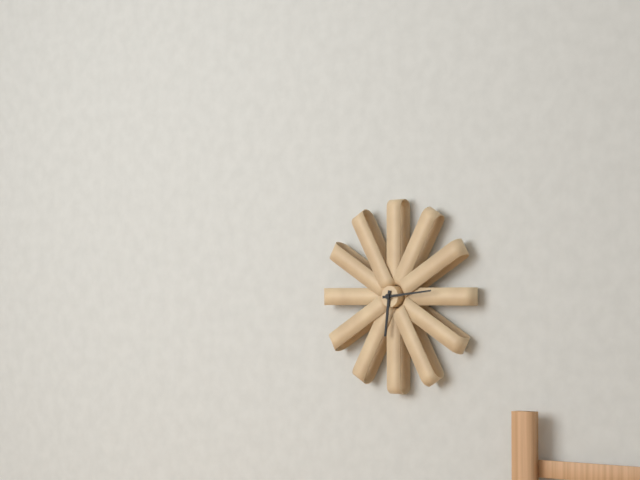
6:14
